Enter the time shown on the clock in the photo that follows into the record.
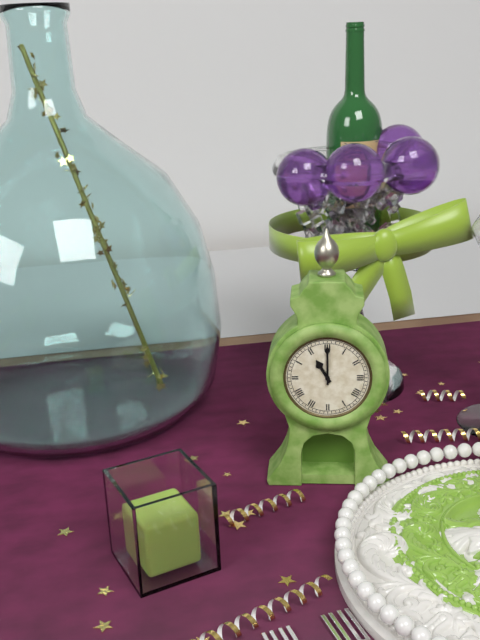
11:00
